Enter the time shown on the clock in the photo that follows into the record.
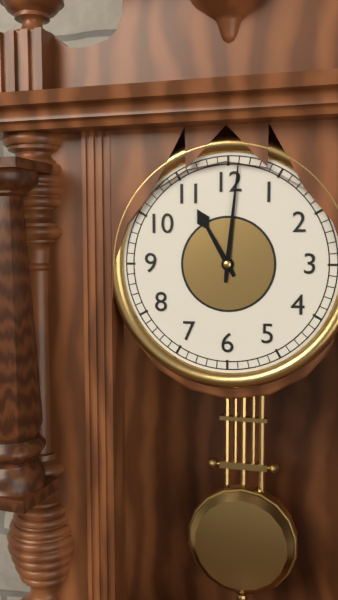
11:01
